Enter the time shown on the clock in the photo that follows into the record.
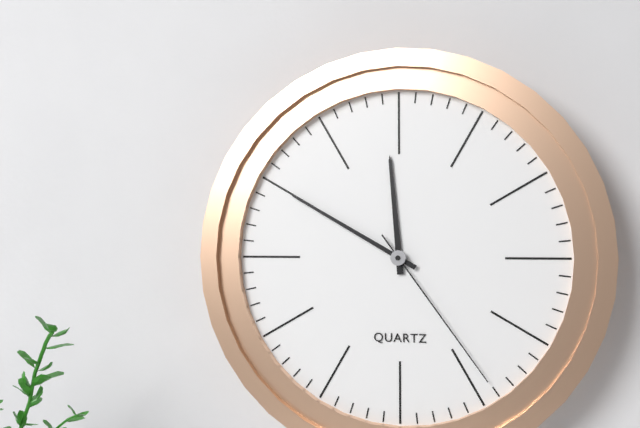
11:50:24
